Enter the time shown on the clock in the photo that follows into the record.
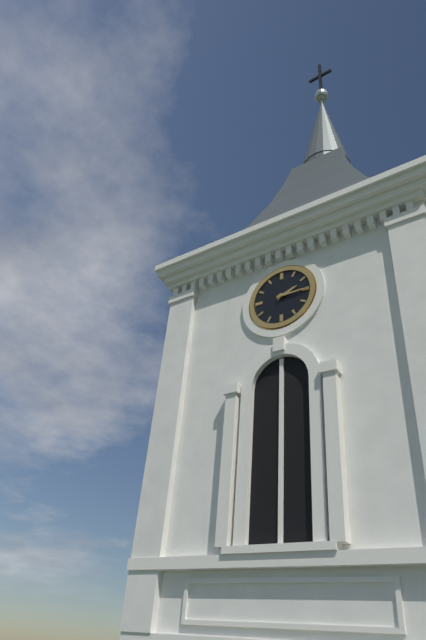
2:15
